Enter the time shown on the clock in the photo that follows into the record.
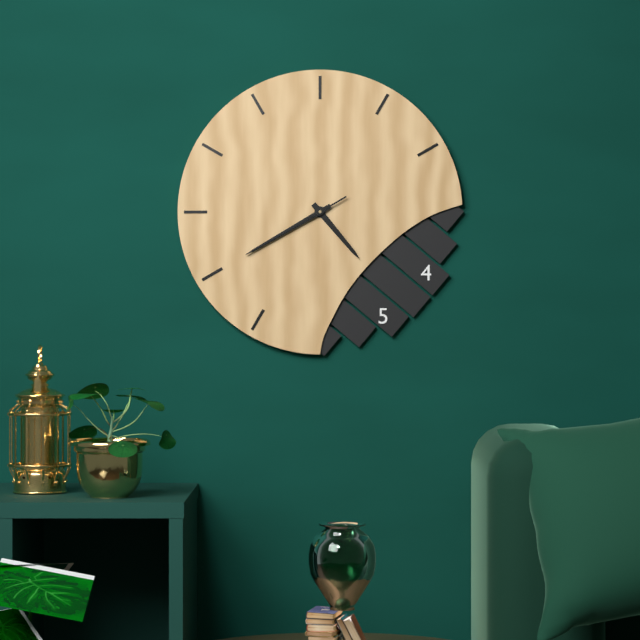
4:40:40
